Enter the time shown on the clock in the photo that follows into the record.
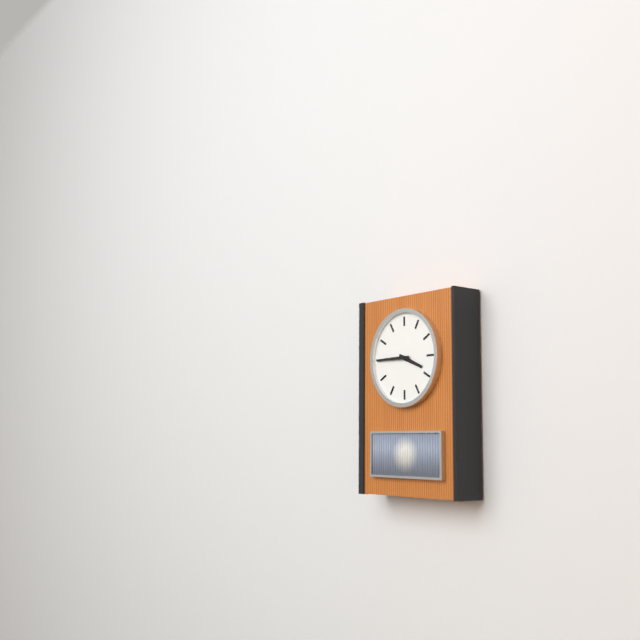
3:45
